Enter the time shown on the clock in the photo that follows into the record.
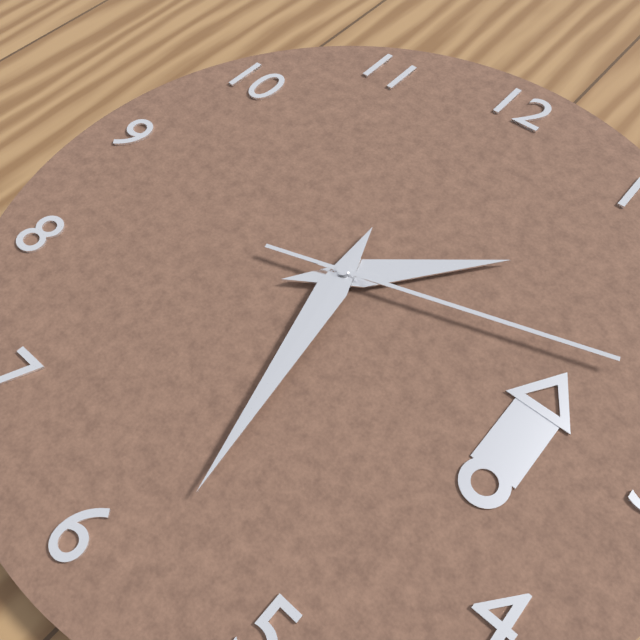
1:28:12
